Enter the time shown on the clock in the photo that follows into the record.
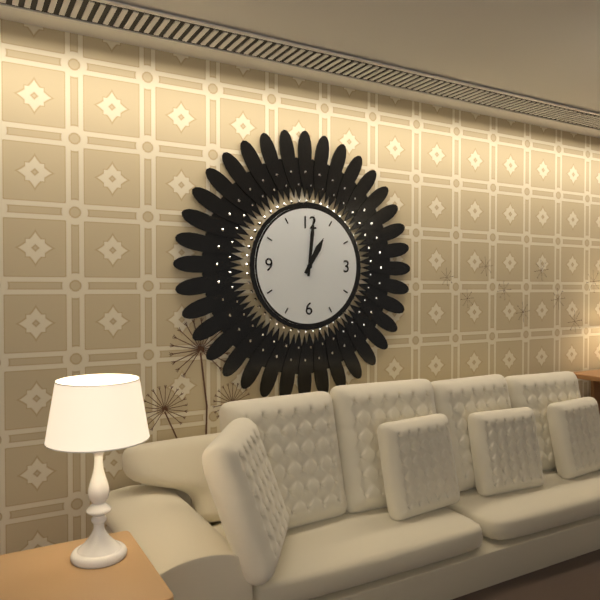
1:01
